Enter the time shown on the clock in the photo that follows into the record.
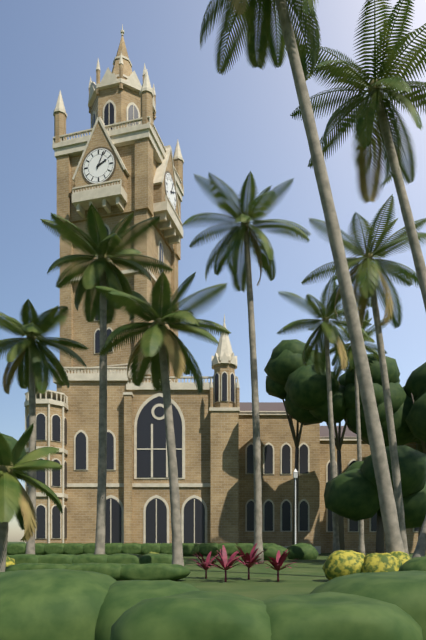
2:04
